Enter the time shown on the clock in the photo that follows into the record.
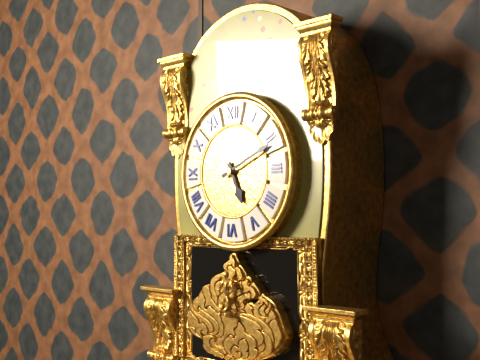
5:11
